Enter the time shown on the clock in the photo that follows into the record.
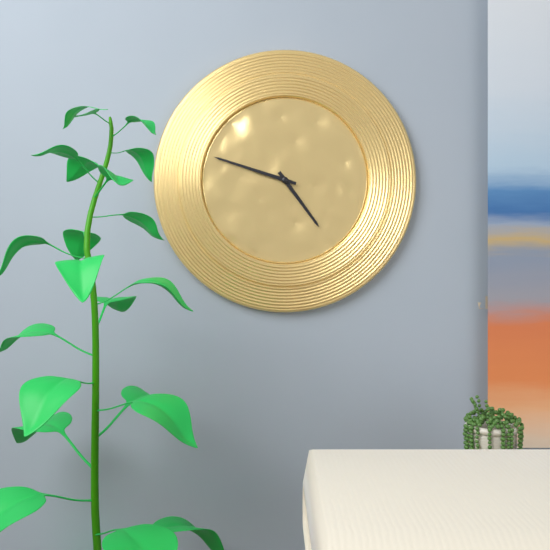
4:48
